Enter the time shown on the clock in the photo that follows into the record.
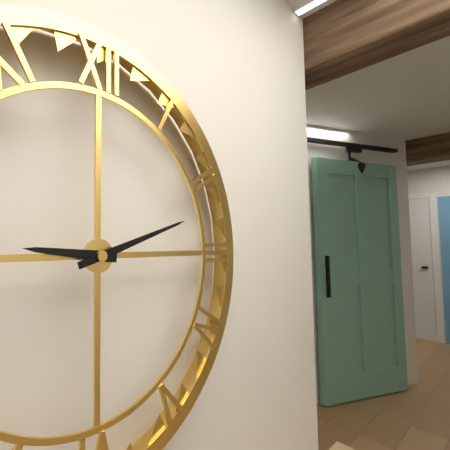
9:12
